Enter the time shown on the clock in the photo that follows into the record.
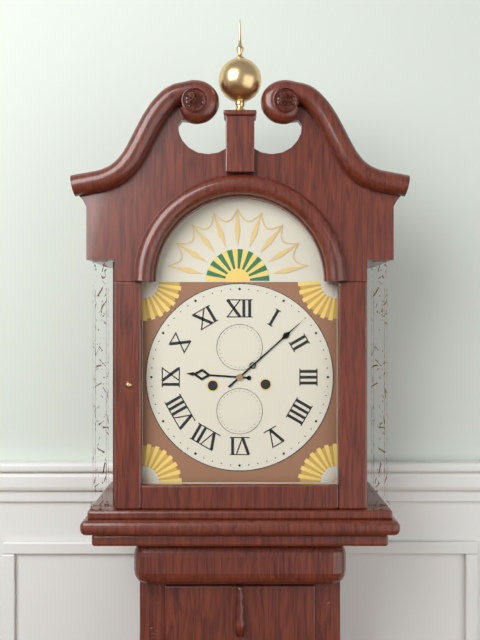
9:08
